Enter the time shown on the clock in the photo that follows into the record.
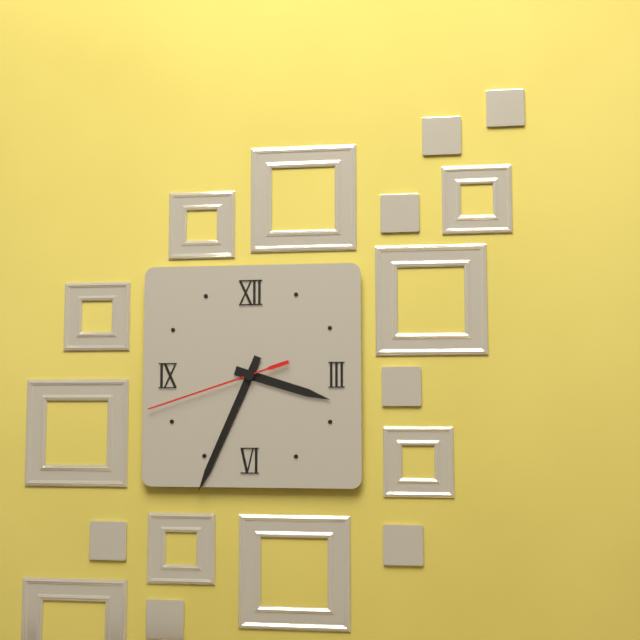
3:34:42
